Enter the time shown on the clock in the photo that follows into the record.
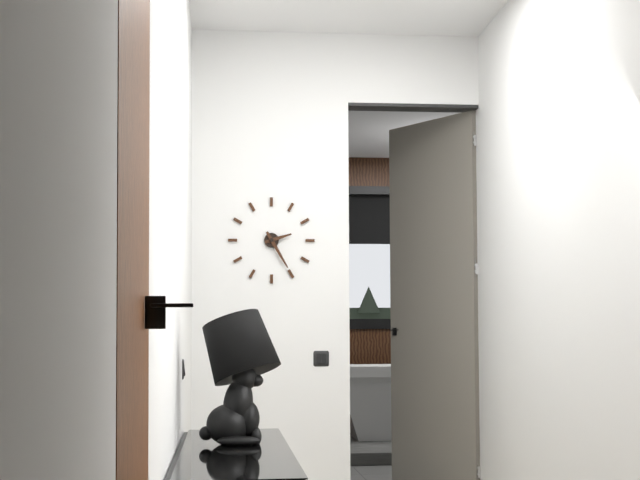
2:25
